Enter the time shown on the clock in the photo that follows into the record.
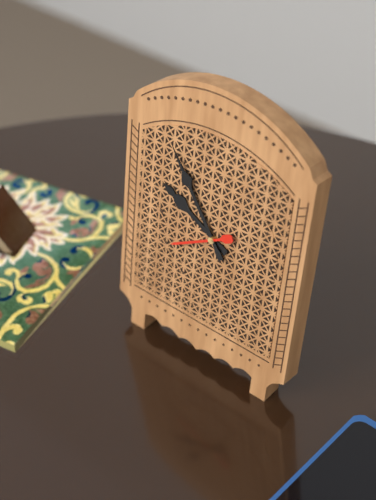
9:54:40
